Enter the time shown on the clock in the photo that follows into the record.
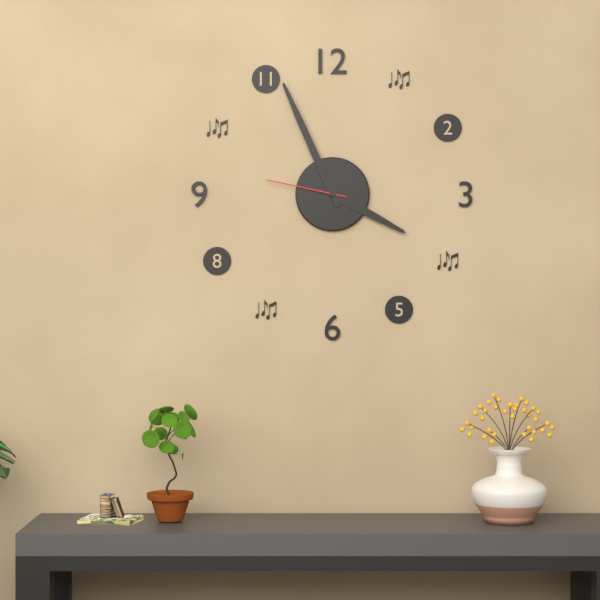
3:56:47
